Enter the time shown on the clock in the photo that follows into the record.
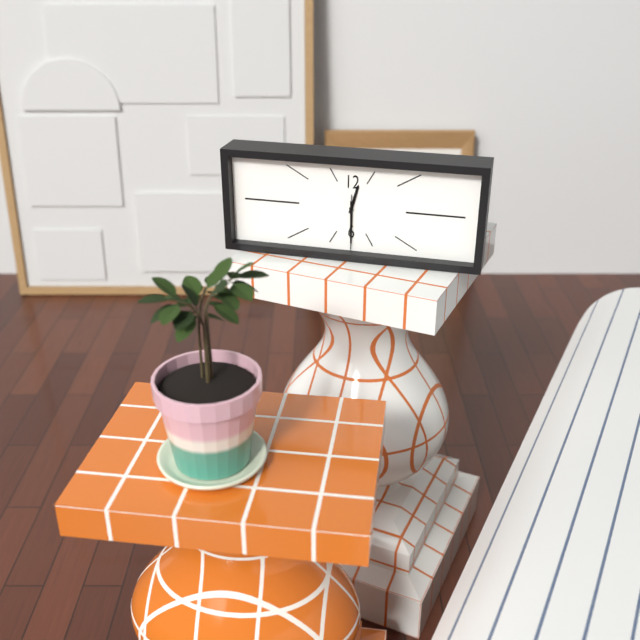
12:30:30
